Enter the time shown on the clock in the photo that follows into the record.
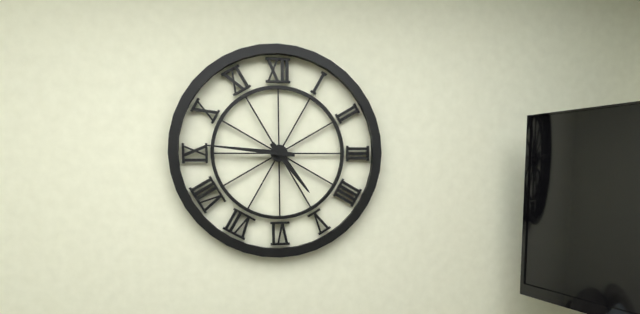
4:46
